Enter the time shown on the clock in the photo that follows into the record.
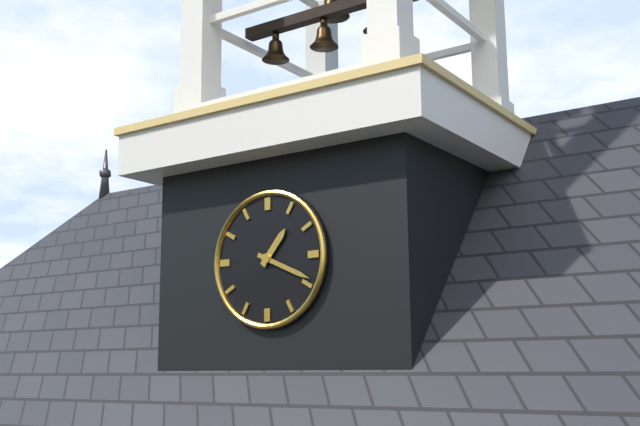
1:19
